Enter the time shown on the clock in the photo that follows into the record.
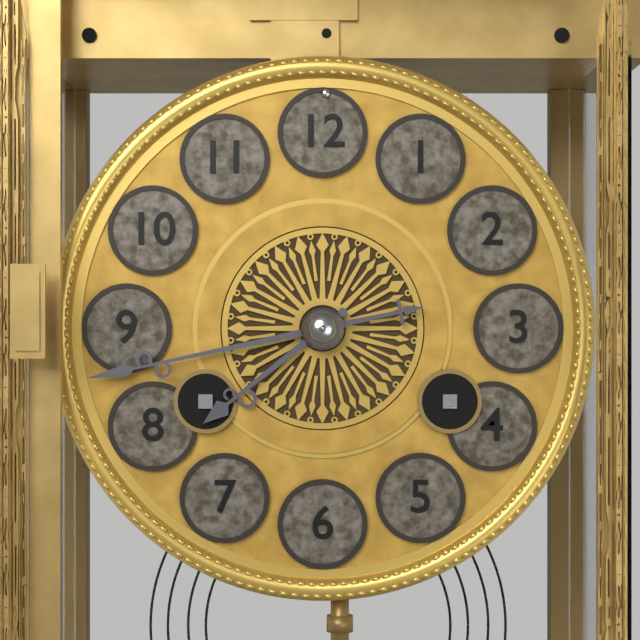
7:43
